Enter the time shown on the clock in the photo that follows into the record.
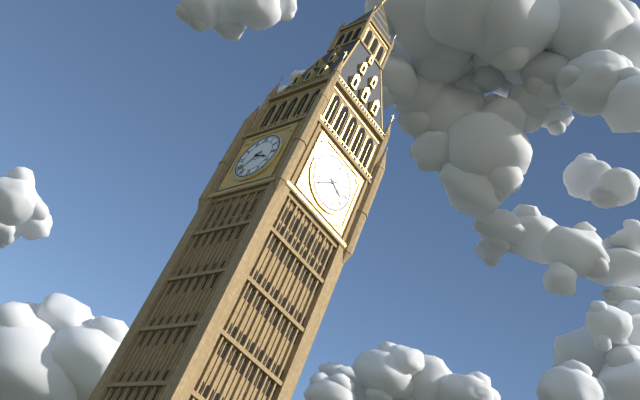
3:38
